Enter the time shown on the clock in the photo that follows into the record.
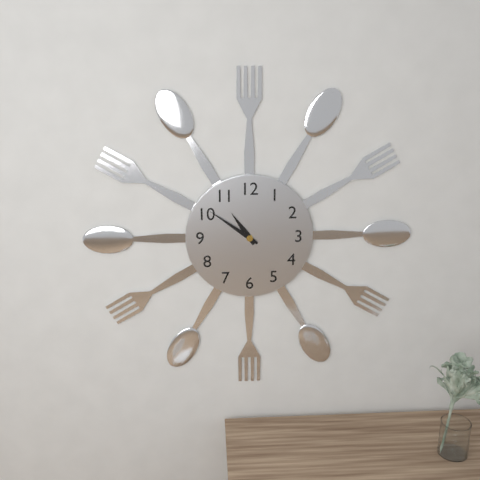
10:51
